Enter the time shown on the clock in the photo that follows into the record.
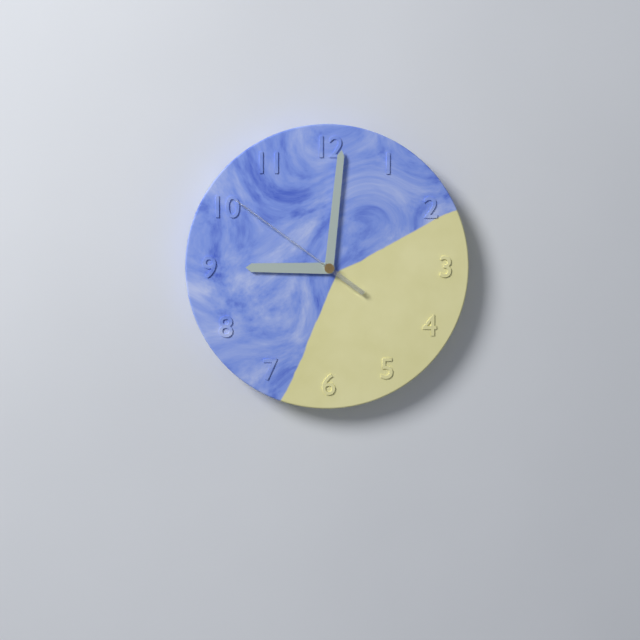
9:01:51
